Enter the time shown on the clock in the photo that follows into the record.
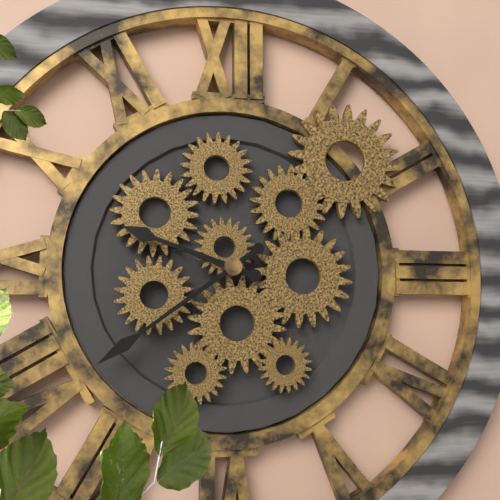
9:39
